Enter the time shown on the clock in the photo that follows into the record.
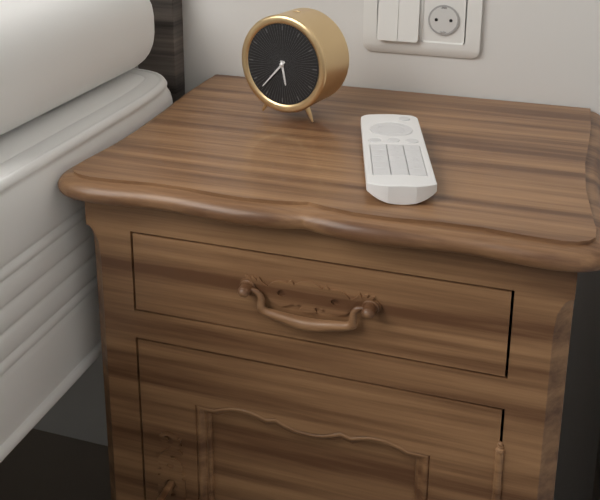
5:37
